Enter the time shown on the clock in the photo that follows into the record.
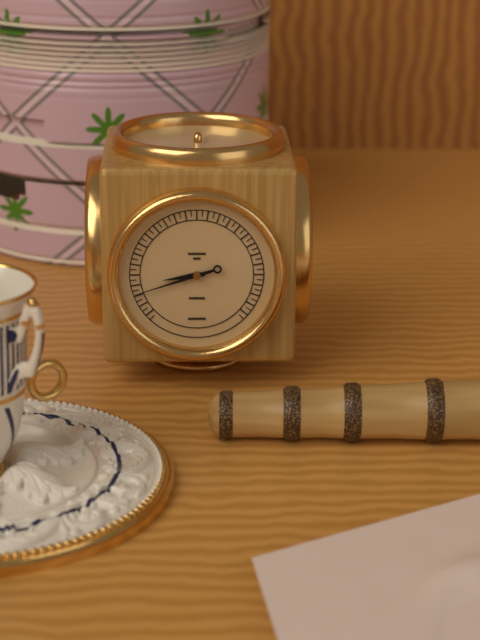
8:42
